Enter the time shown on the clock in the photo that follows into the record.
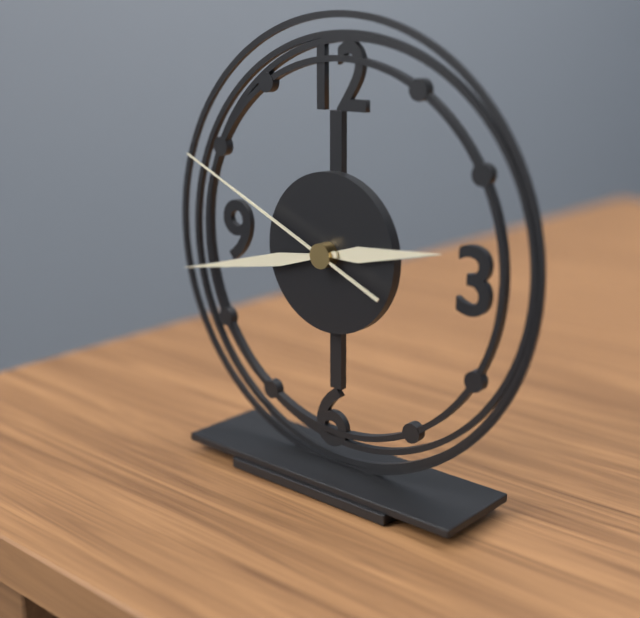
2:43:49
